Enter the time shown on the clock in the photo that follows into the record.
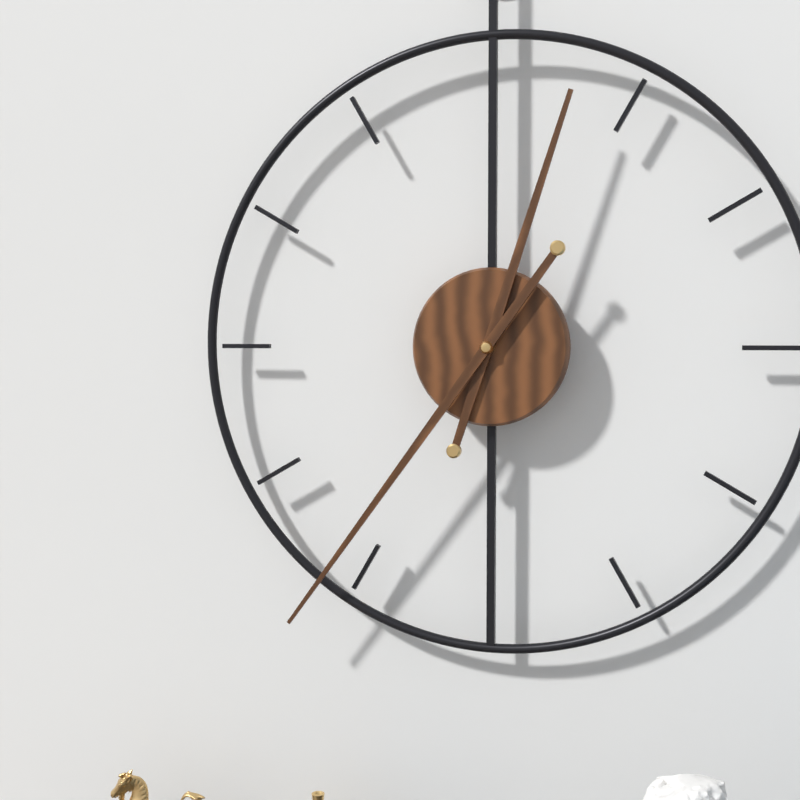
12:36
